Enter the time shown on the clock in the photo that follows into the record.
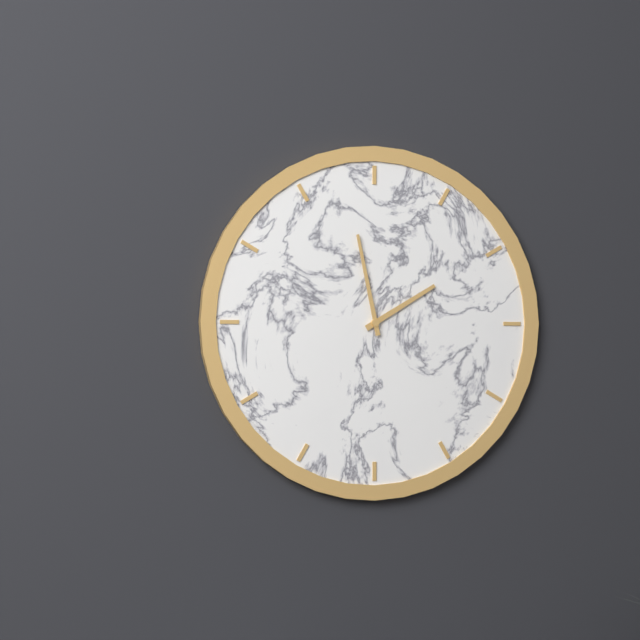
1:58
